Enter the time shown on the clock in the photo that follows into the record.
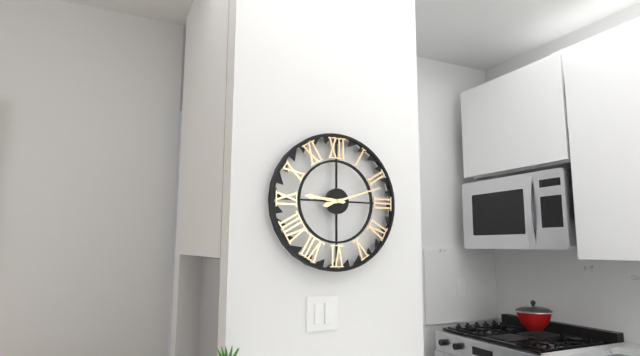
9:12
